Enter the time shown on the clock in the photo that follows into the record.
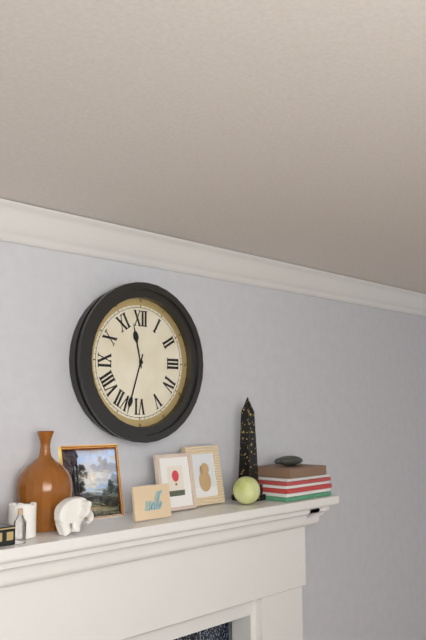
11:33
